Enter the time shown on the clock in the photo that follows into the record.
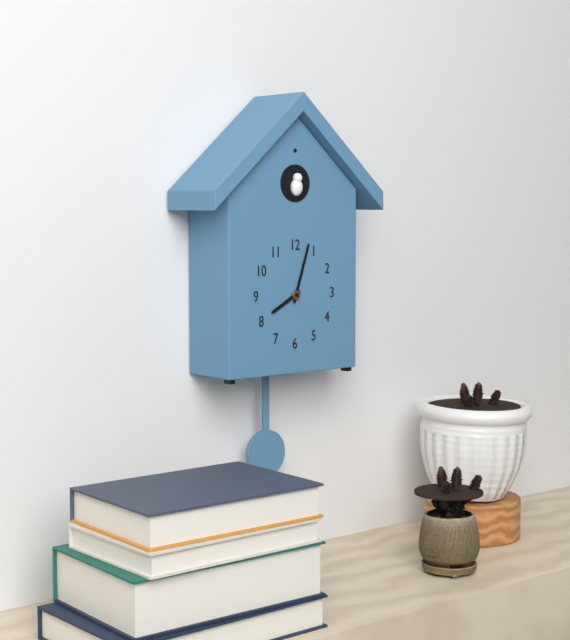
8:03
